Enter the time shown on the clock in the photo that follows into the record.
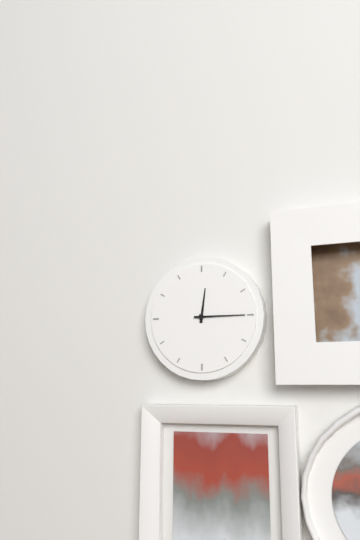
12:15
